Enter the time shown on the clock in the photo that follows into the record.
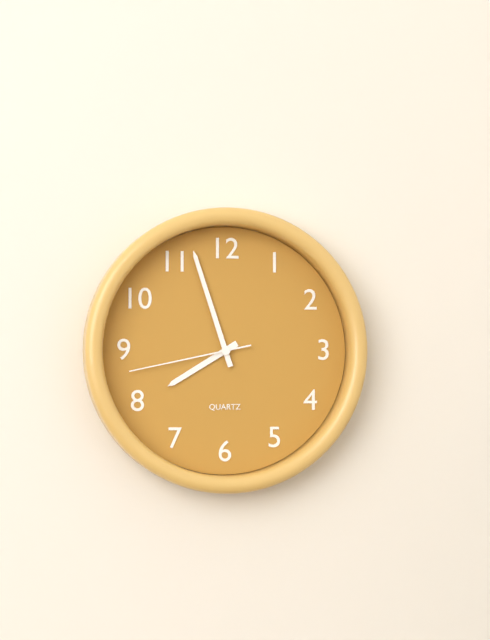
7:57:43
